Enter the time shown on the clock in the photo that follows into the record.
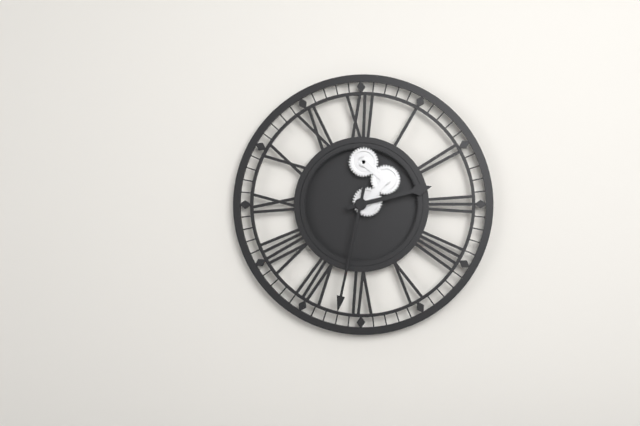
2:32
